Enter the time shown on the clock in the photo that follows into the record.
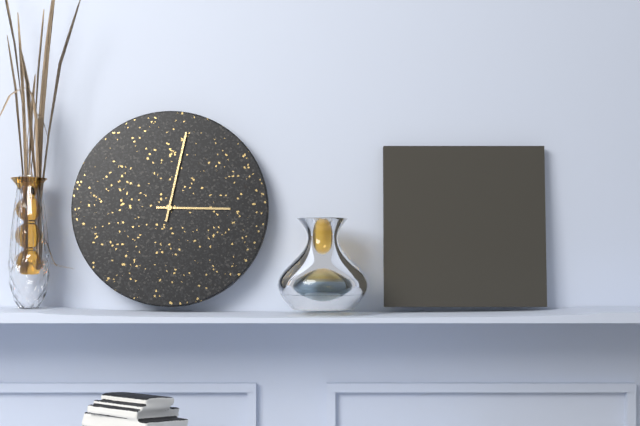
3:02
